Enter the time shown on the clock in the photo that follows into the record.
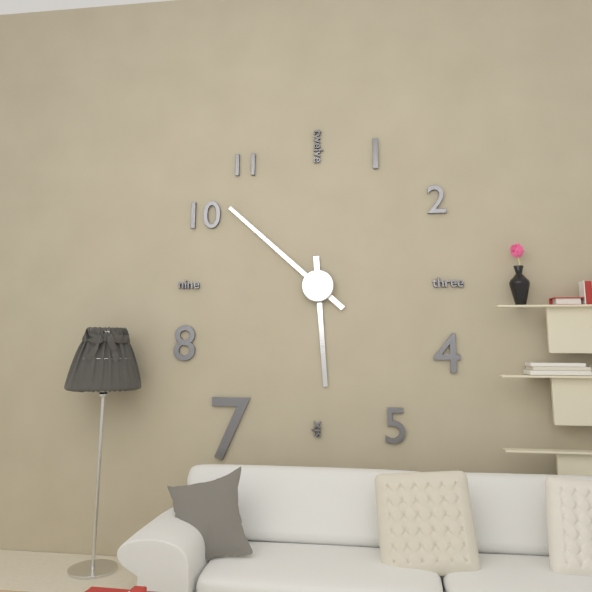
5:52
